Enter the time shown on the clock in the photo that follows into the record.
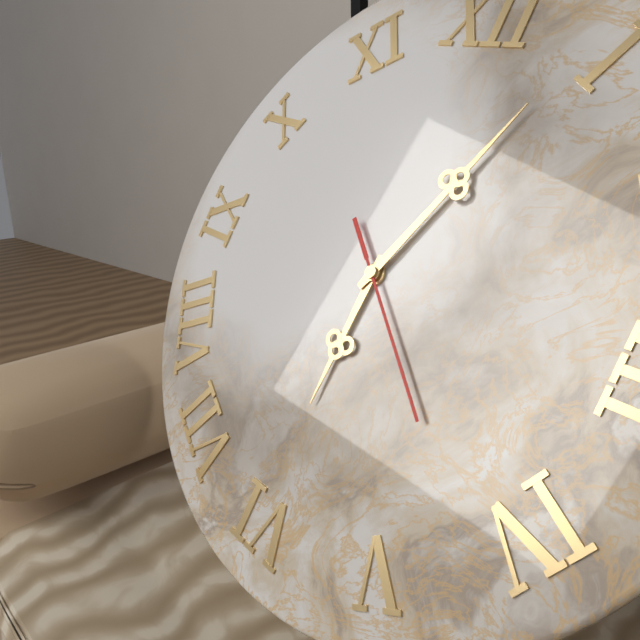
6:04:22
